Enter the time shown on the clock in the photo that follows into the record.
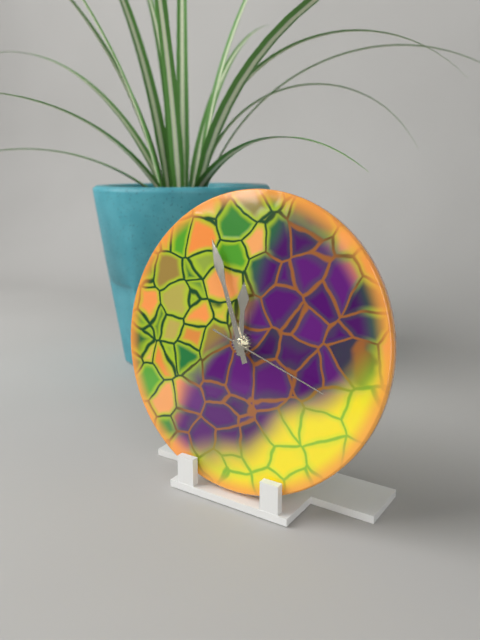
11:56:18
